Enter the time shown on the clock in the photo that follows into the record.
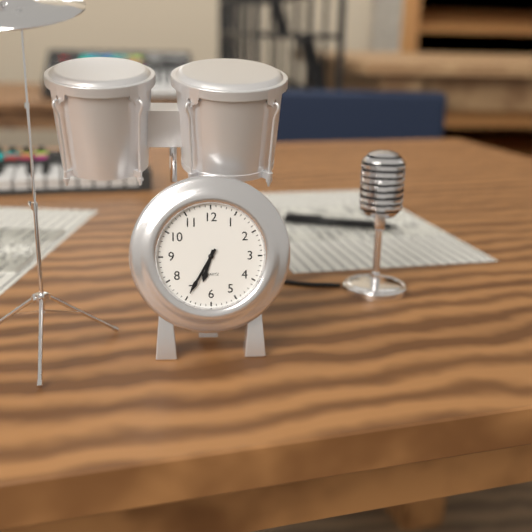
6:35
